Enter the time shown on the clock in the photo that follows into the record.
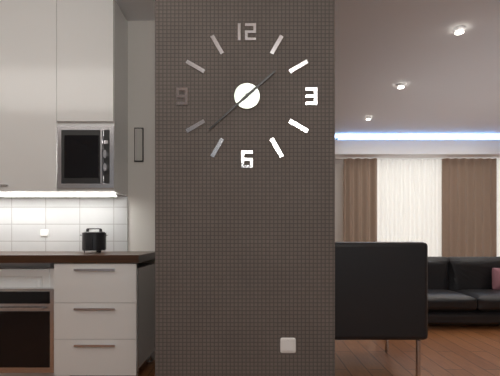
1:38
